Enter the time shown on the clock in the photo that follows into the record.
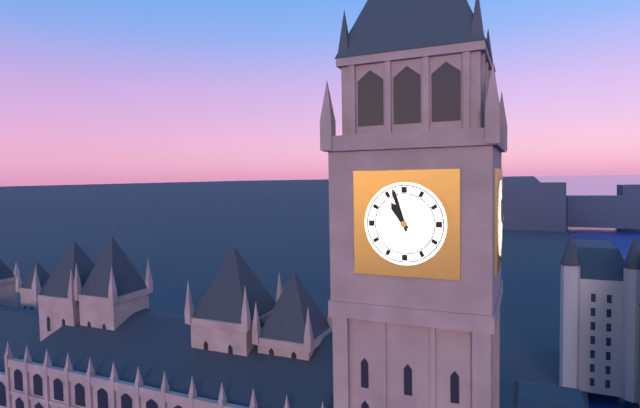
10:57
